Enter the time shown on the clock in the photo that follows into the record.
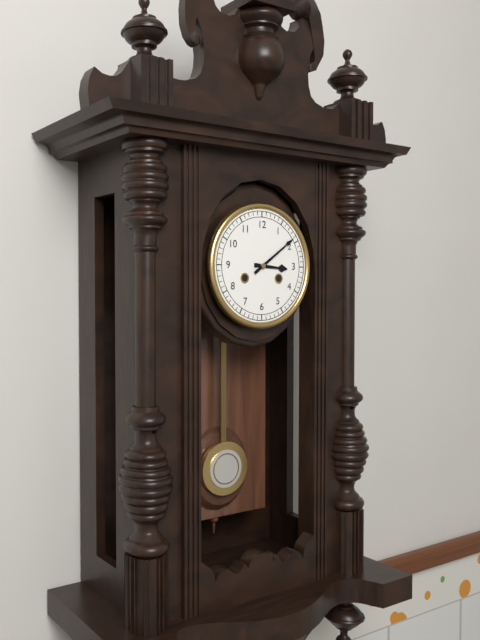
3:09
